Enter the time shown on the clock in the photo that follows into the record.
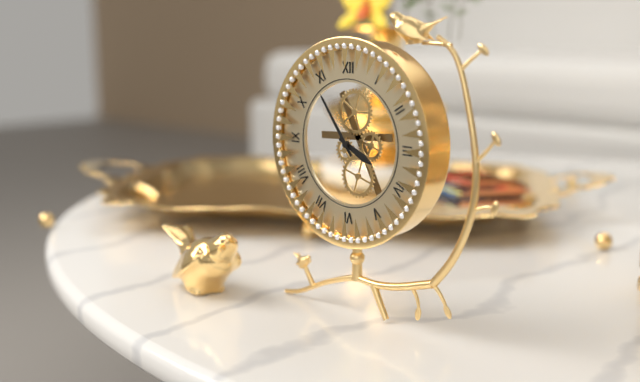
3:54
